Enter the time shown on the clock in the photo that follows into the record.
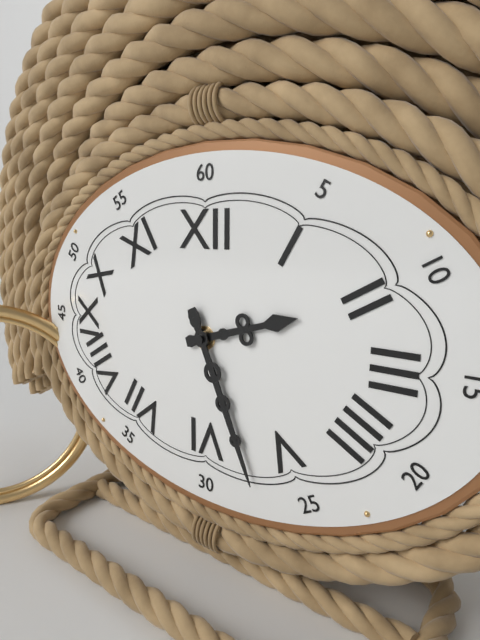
2:26
